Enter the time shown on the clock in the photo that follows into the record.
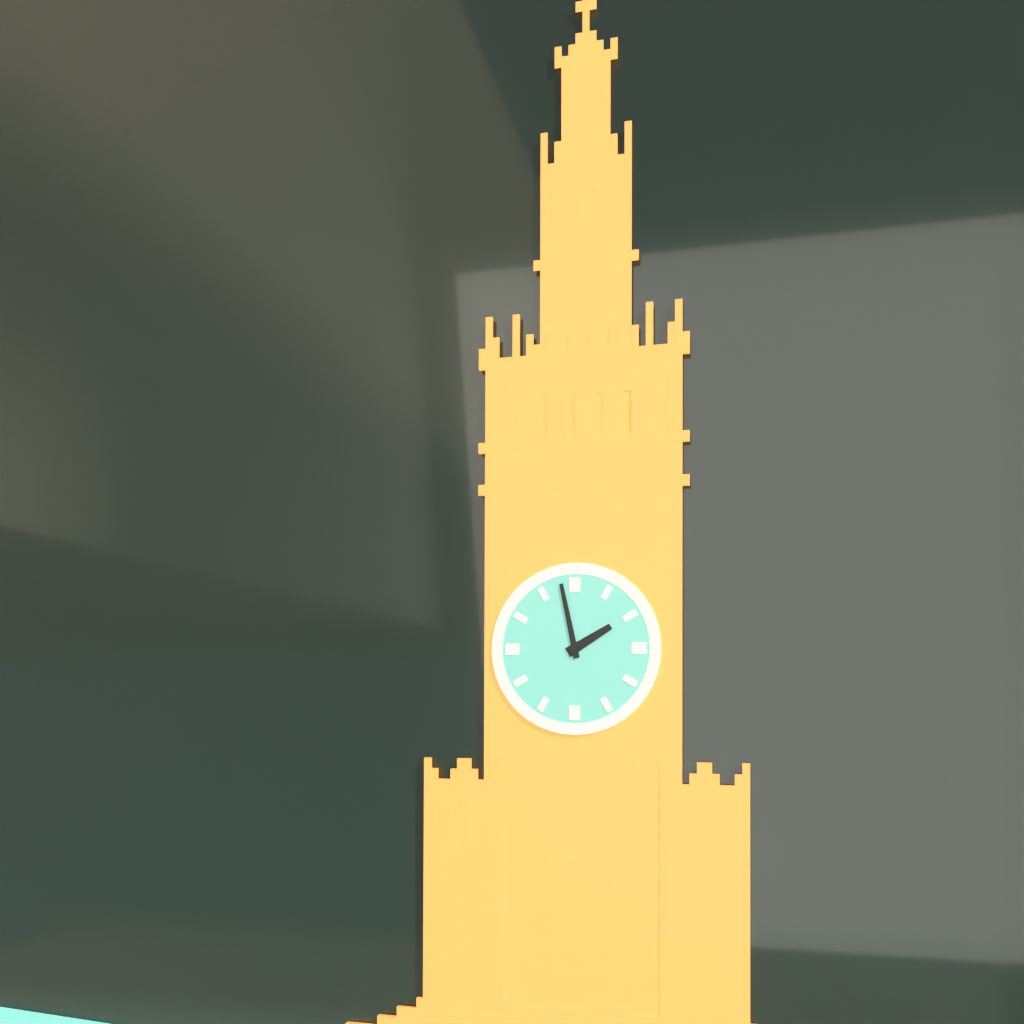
1:58
